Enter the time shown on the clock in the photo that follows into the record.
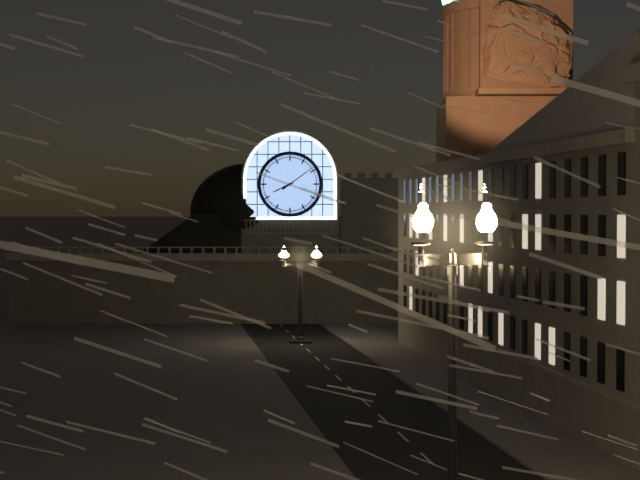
8:09
